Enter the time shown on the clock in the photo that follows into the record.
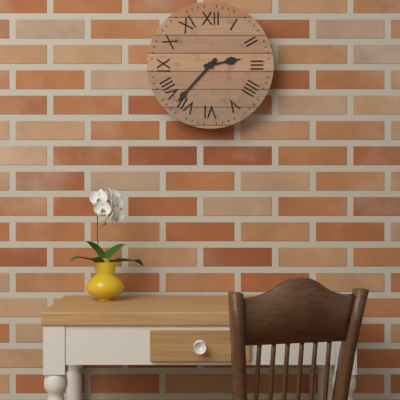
2:37
